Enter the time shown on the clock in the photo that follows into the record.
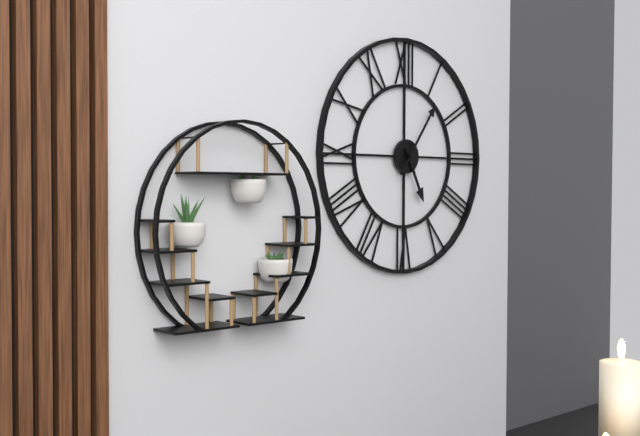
5:06
